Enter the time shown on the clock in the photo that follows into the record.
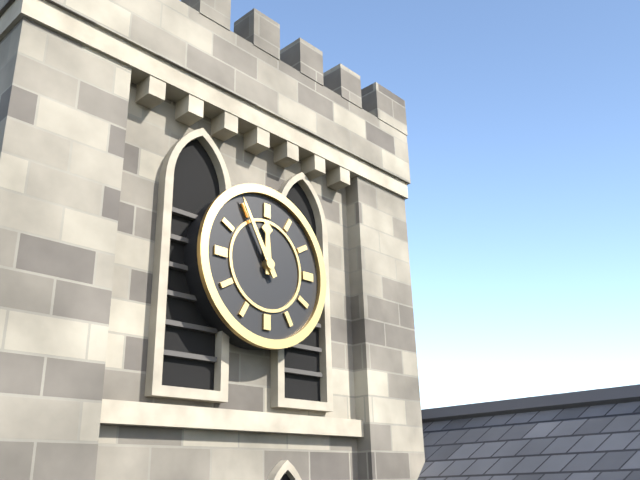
11:55
